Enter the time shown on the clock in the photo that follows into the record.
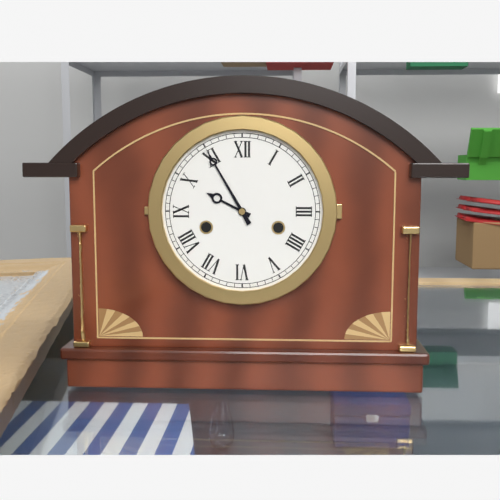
9:55
